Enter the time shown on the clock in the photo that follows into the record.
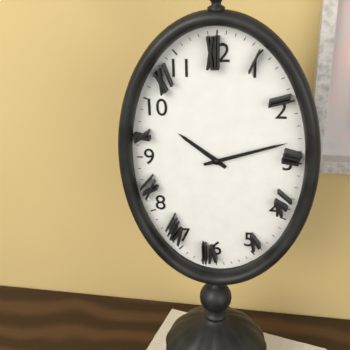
10:12
